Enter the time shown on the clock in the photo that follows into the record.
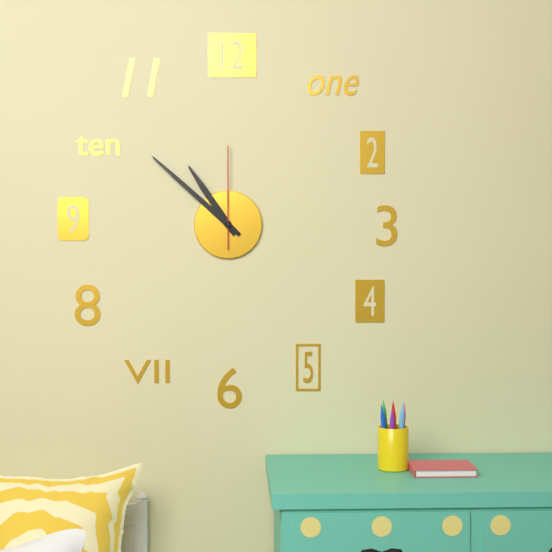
10:52:00
